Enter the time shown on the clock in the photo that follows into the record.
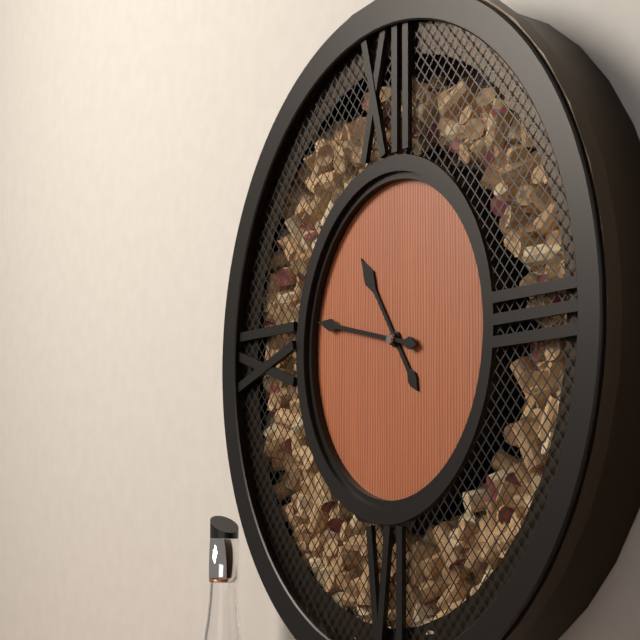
10:47
